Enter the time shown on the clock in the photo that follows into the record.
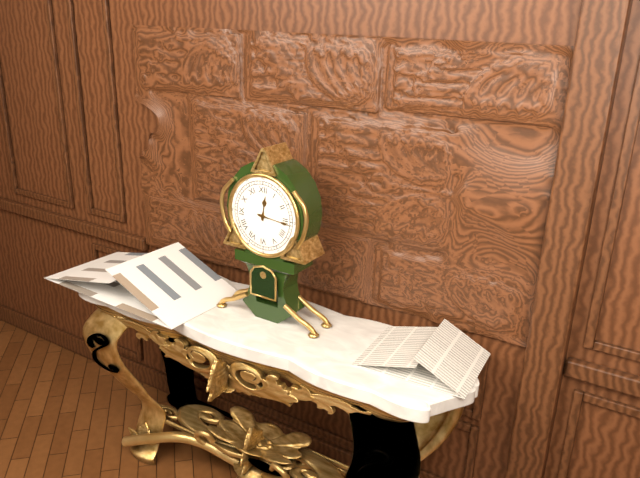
12:16
